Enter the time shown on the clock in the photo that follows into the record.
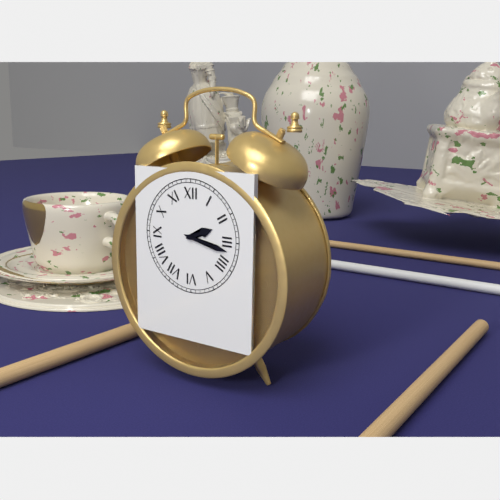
2:17
